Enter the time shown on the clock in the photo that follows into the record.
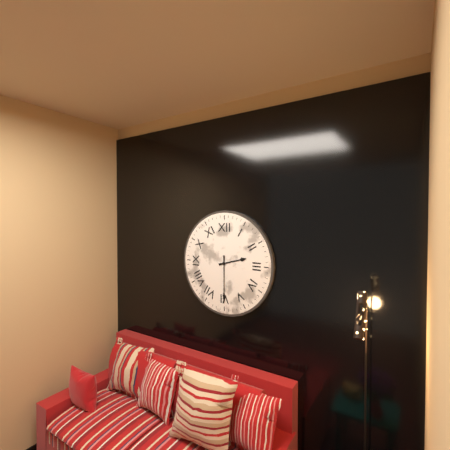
2:30
